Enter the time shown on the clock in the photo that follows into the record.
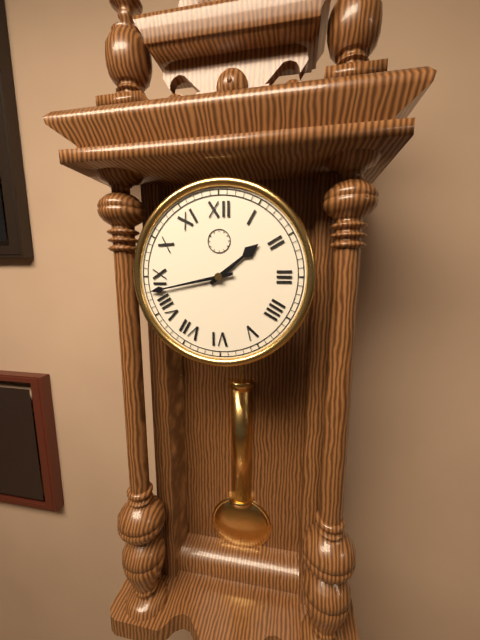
1:43
